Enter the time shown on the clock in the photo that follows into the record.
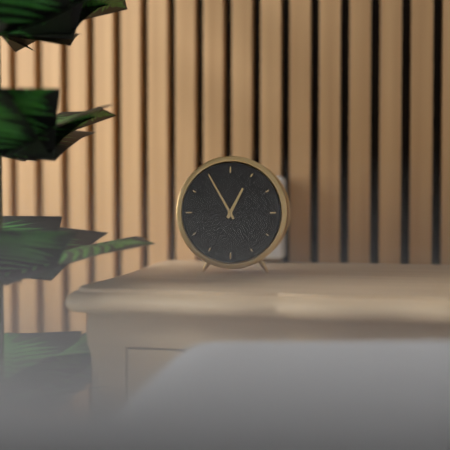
12:55
